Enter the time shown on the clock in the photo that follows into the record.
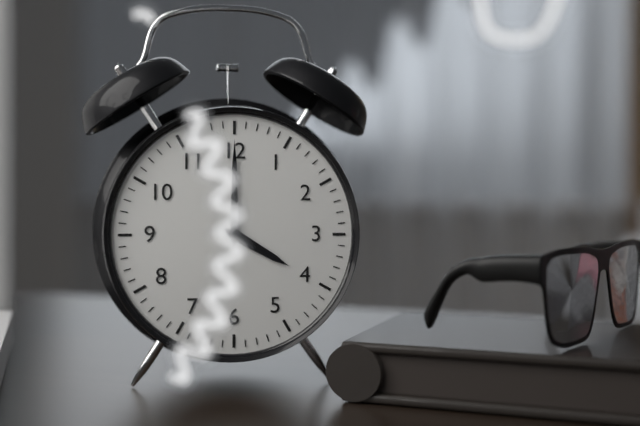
4:00
